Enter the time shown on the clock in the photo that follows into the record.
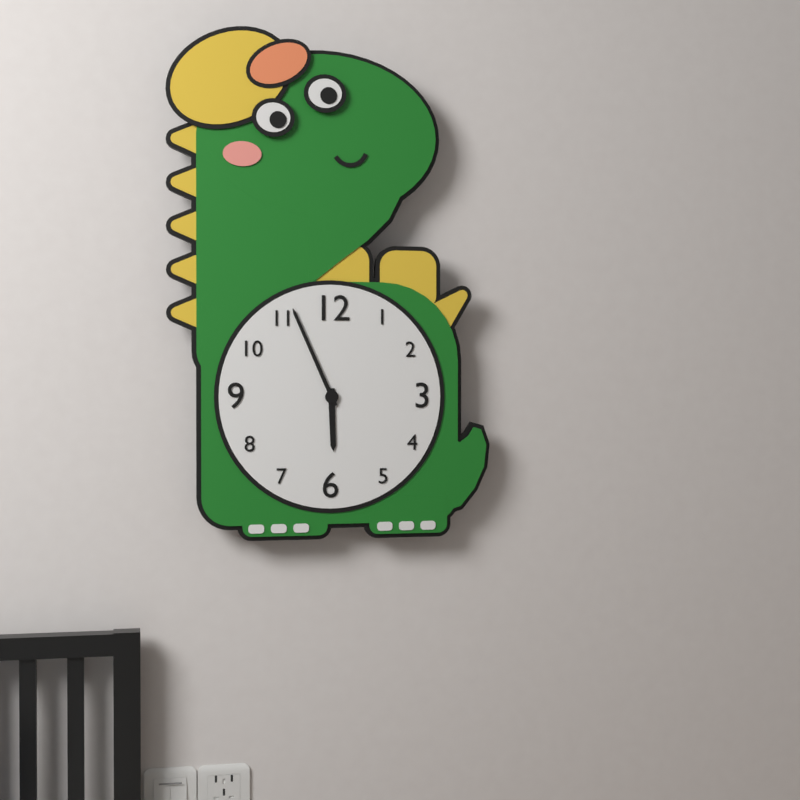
5:56
